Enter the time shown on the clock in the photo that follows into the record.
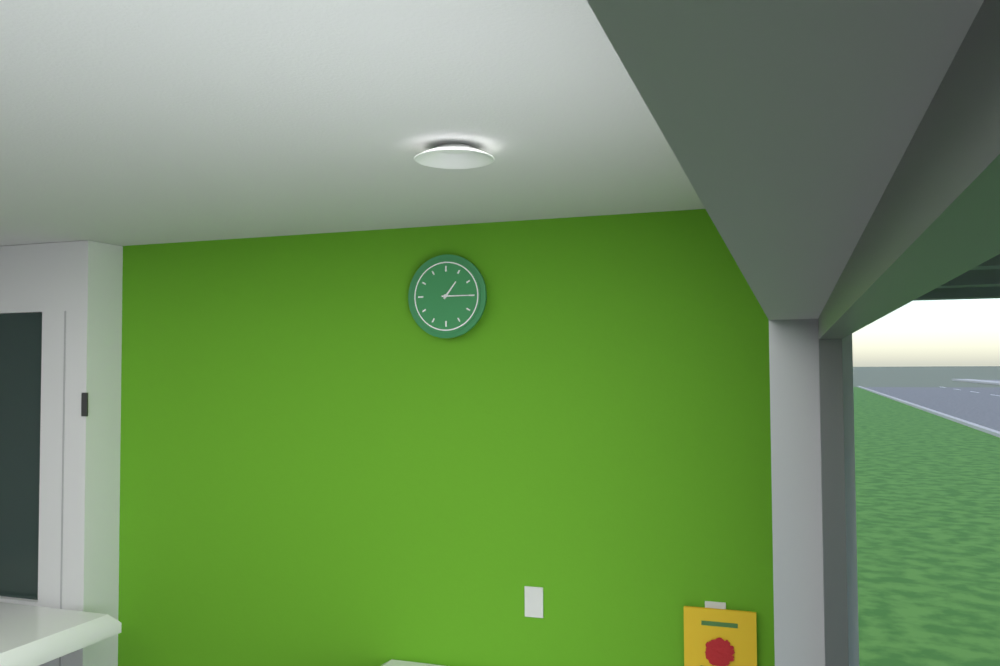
1:15
